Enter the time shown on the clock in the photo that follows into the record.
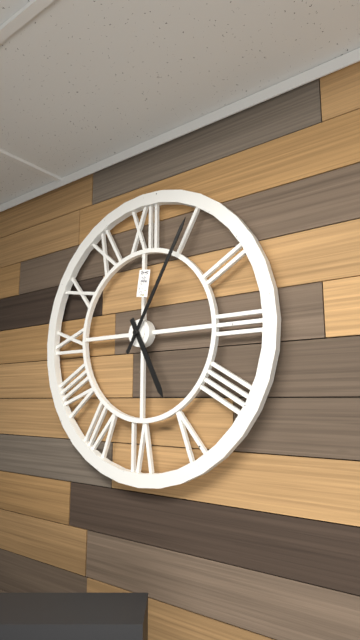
5:05
